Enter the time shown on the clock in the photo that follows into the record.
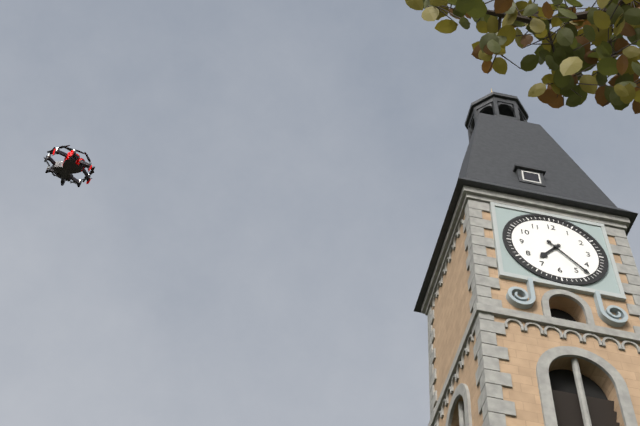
7:23
